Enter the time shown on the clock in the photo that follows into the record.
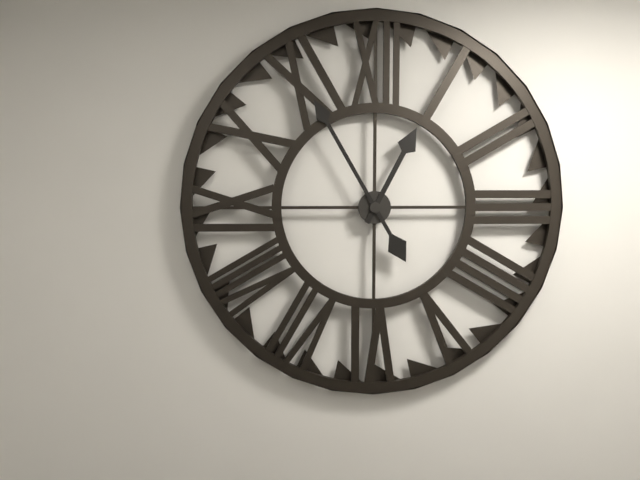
12:55
